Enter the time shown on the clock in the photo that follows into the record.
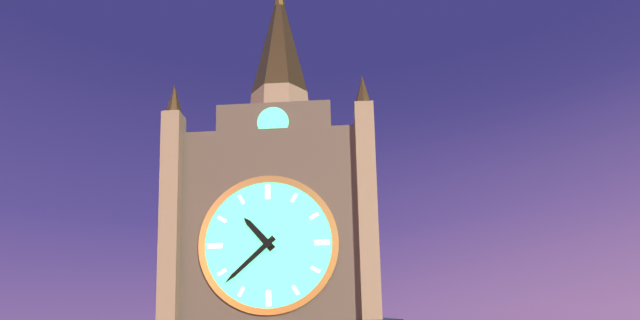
10:38
